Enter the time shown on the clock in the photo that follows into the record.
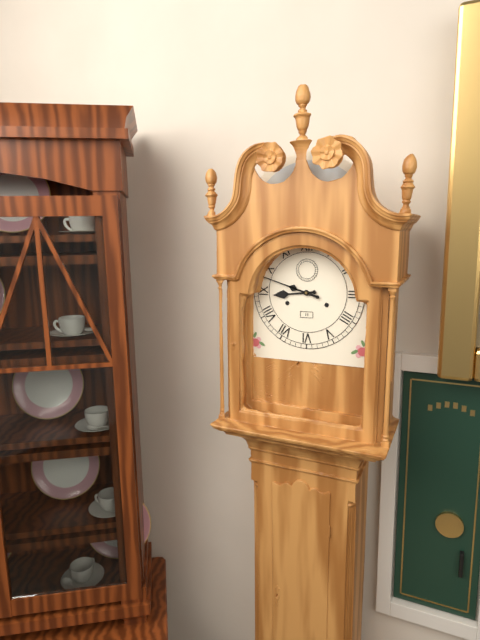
8:48
